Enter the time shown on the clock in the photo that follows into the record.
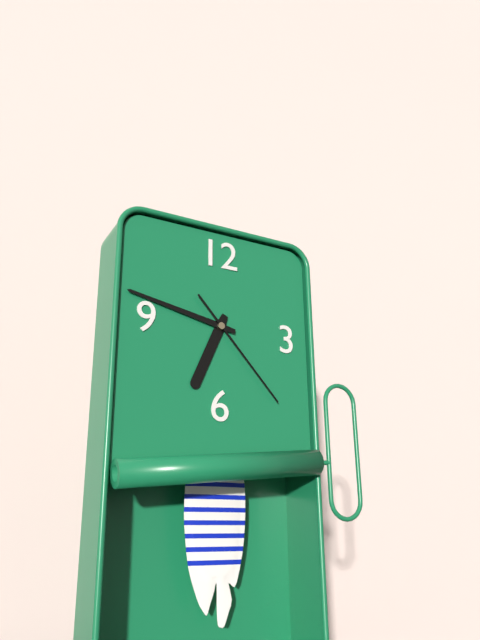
6:47:23
